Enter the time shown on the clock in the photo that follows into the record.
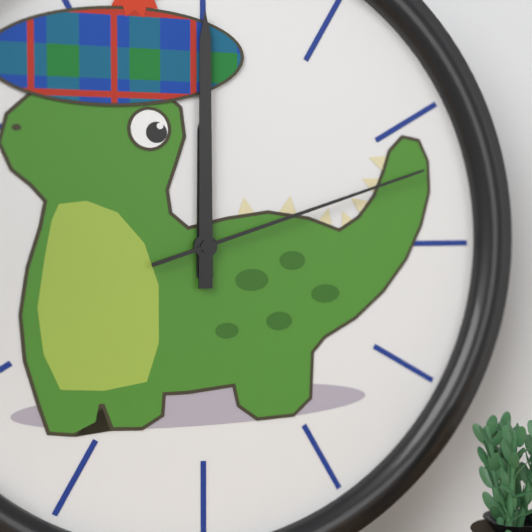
12:00:12
